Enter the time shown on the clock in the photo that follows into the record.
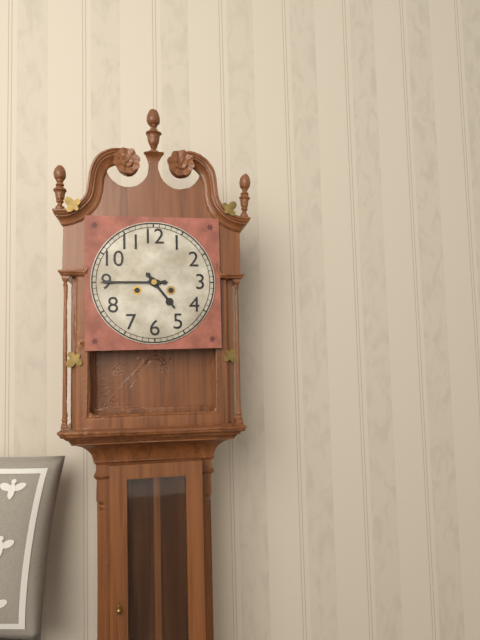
4:45
